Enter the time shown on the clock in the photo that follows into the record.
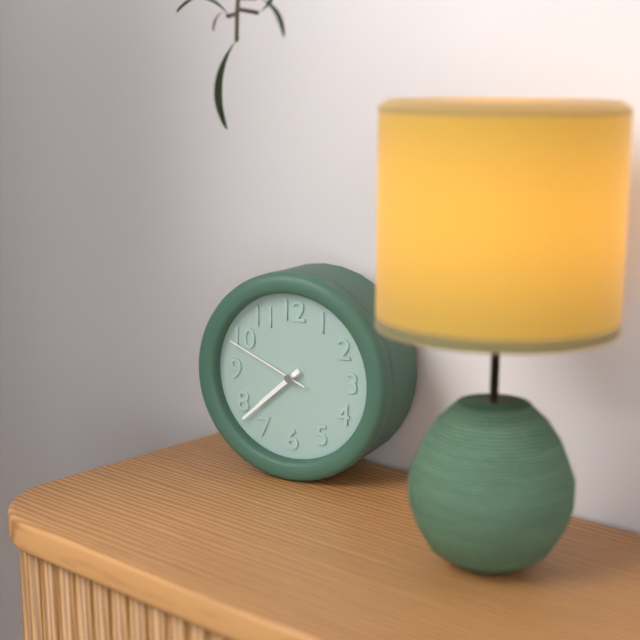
7:38:49
